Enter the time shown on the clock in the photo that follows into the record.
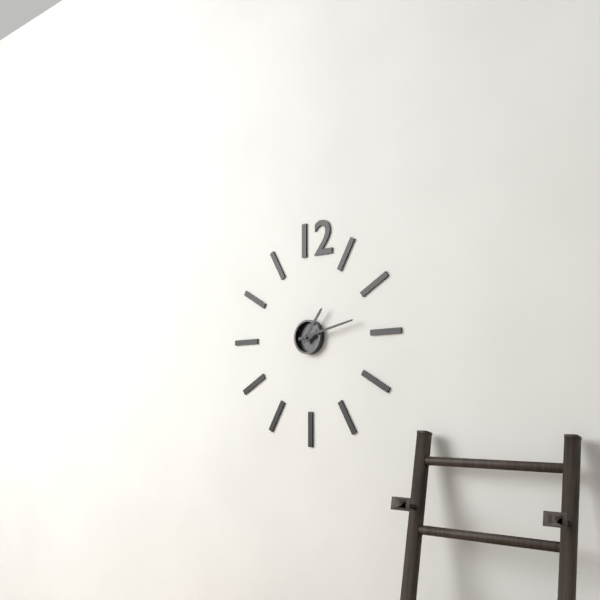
1:13
